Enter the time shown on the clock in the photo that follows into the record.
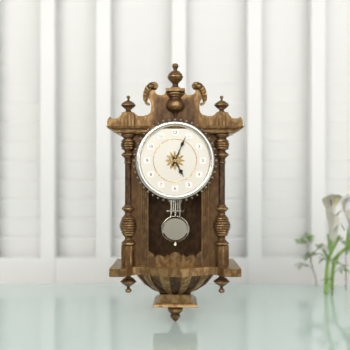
5:04
